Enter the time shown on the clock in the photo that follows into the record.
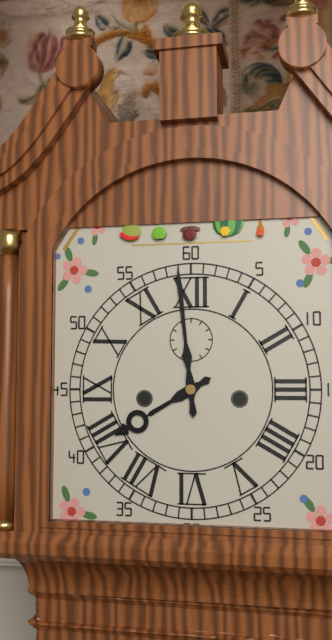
7:59
